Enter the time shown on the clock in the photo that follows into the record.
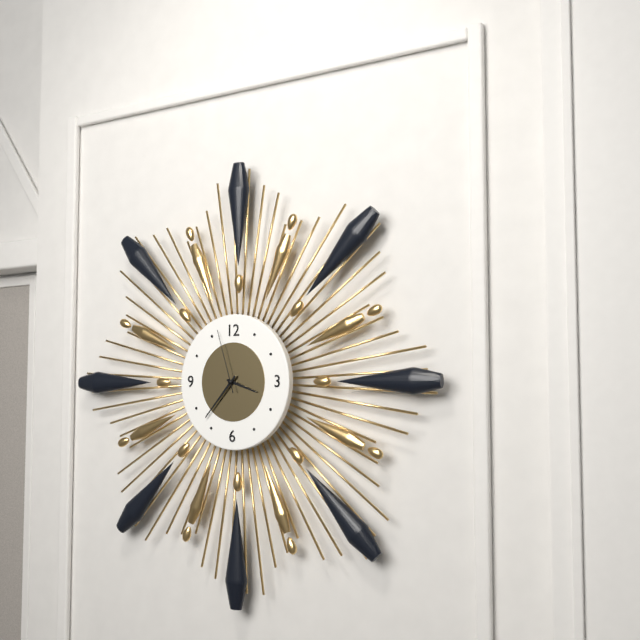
3:37:57
